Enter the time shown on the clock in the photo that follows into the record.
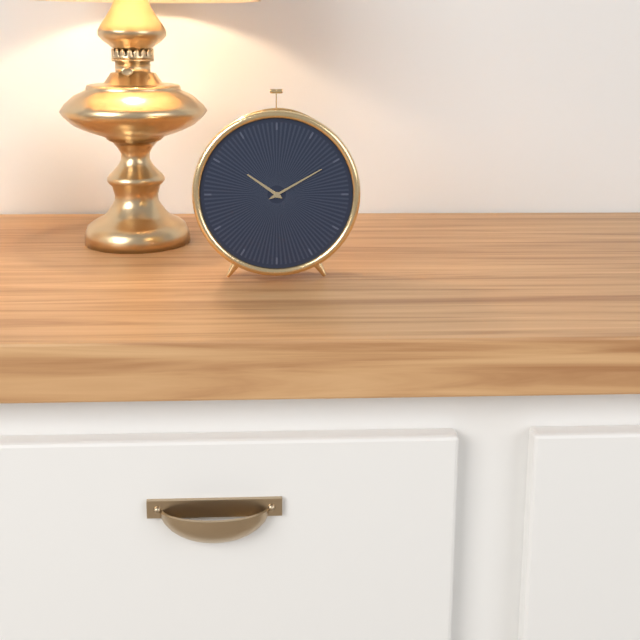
10:10
